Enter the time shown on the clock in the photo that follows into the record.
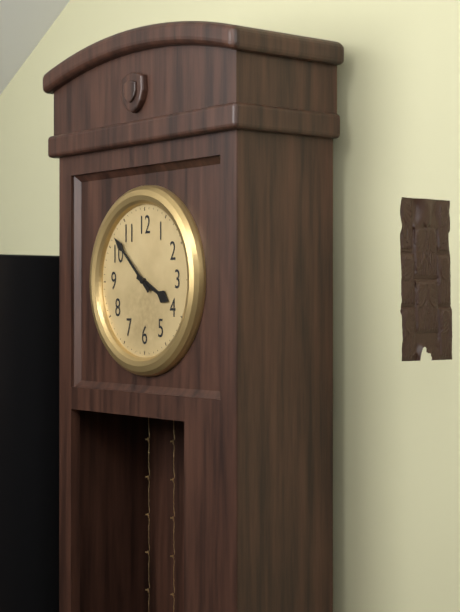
3:52
